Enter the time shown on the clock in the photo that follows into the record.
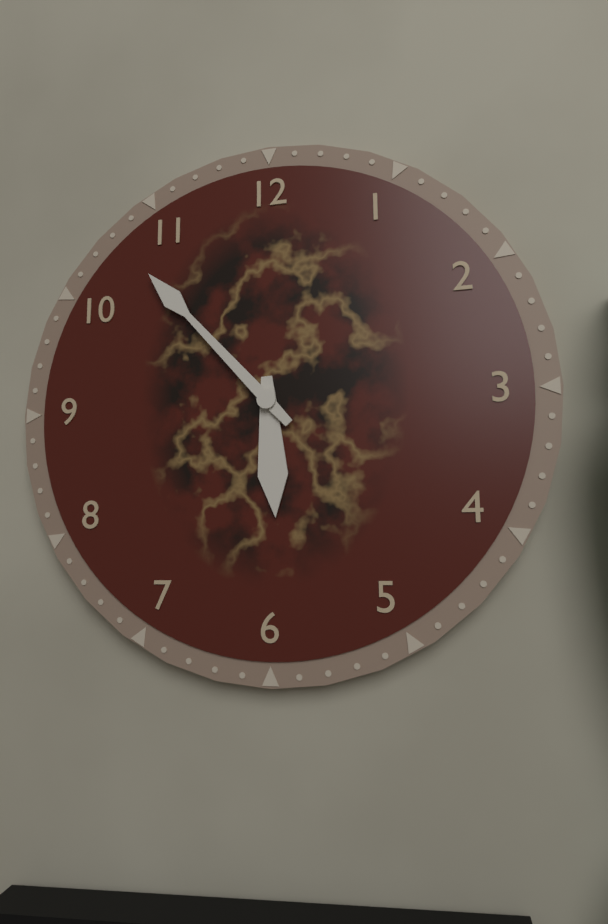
5:53
